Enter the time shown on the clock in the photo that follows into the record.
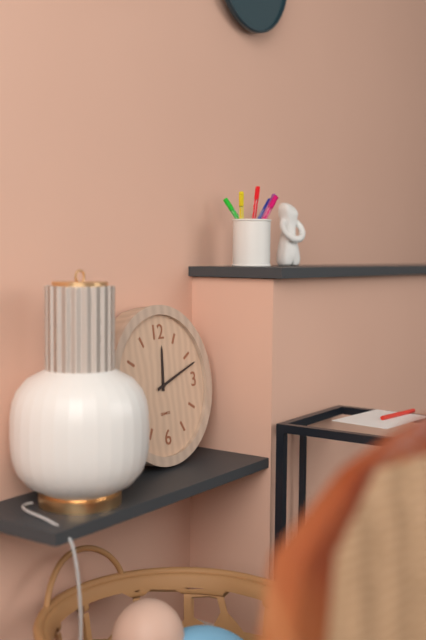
12:12
